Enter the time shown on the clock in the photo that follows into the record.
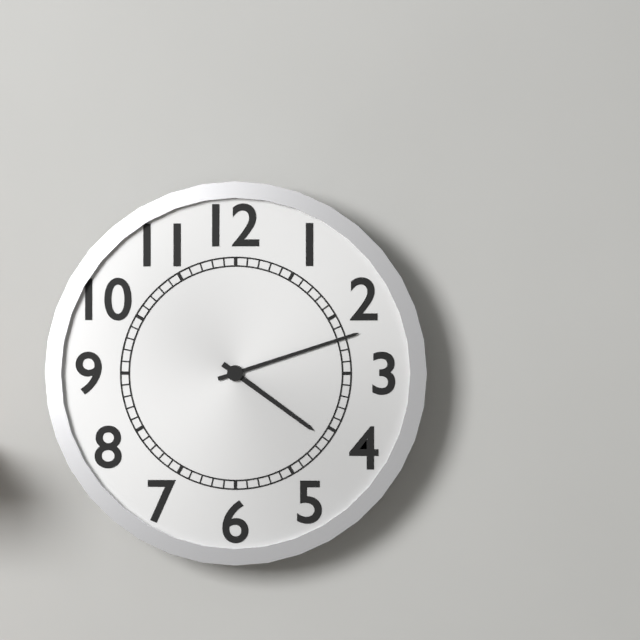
4:12
